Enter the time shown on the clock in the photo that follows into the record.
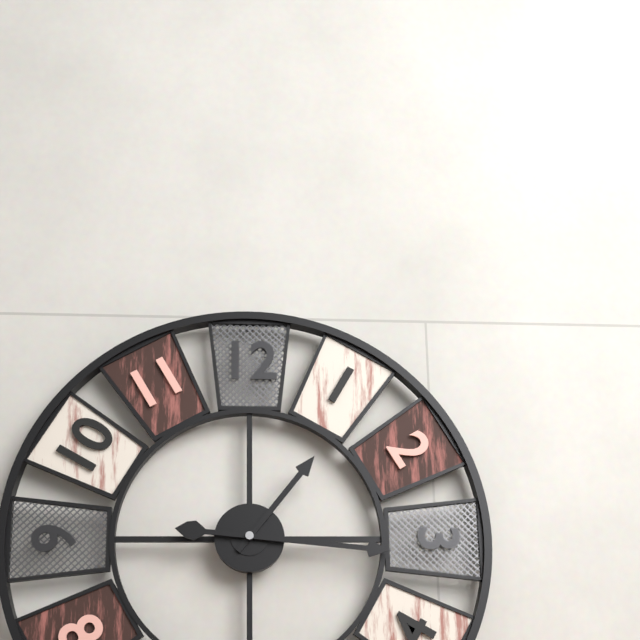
1:16
